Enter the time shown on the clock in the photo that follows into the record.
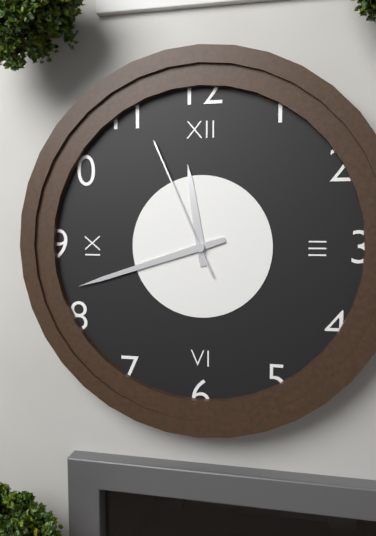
11:42:56
